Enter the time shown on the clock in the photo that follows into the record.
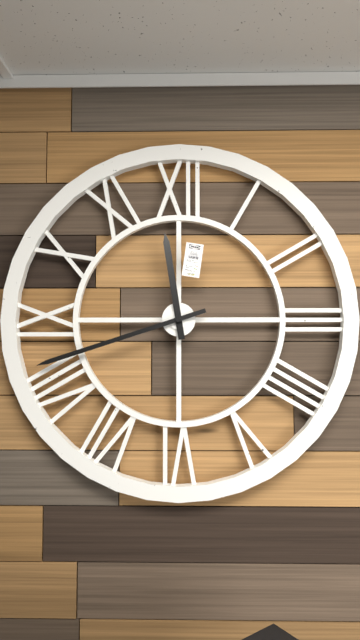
11:42
